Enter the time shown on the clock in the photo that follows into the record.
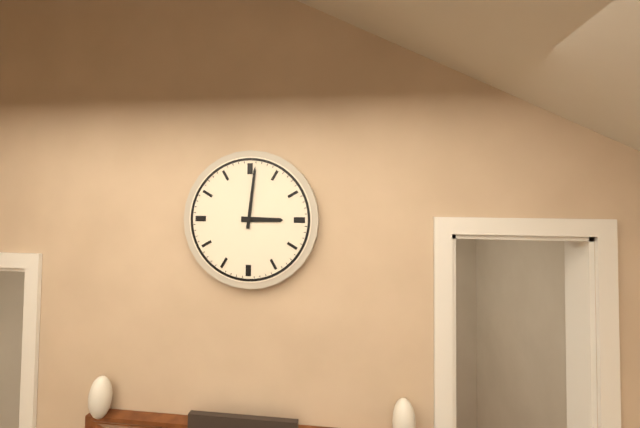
3:01
